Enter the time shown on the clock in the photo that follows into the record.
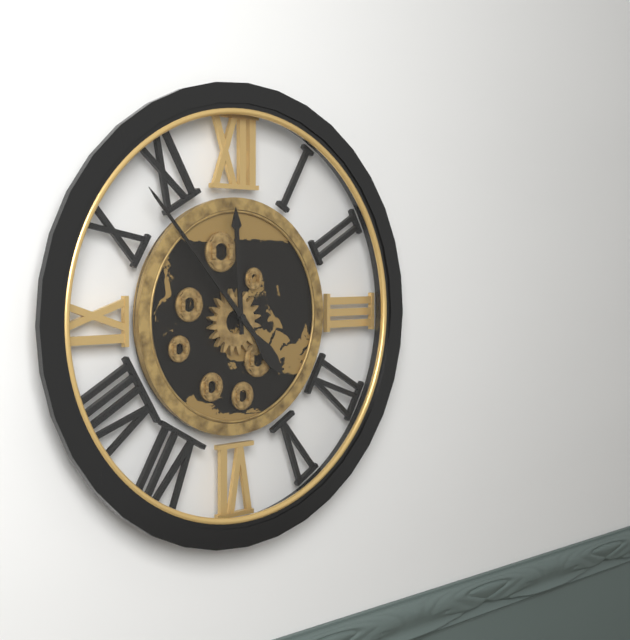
11:53
